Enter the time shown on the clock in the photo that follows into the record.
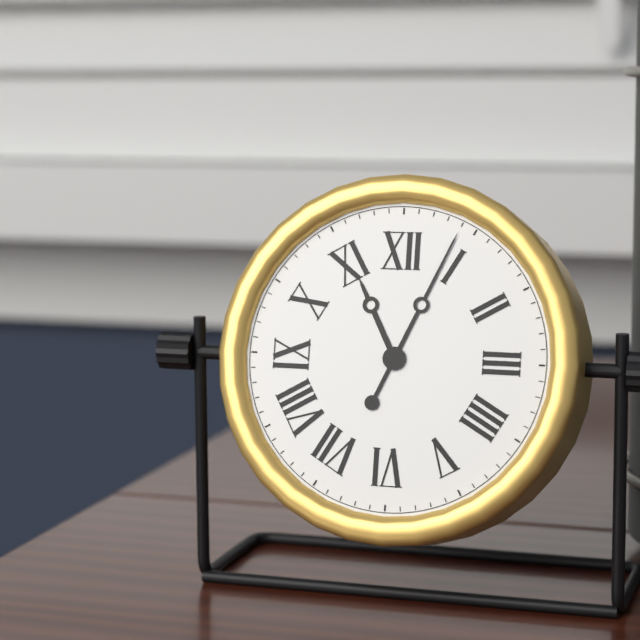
11:04
